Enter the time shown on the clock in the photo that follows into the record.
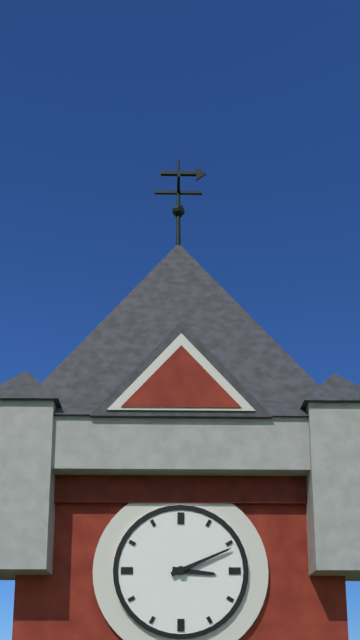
3:11
